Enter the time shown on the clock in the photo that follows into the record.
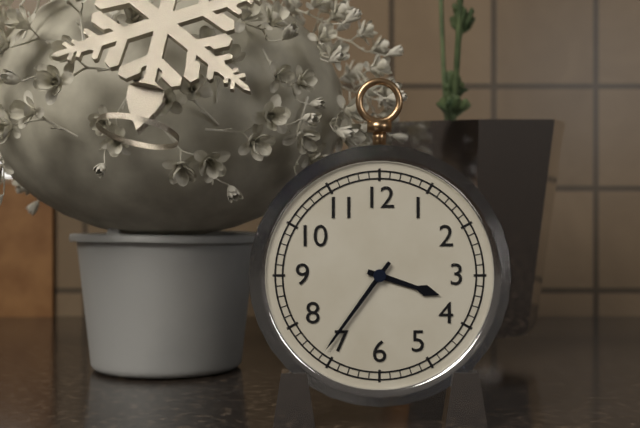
3:36
